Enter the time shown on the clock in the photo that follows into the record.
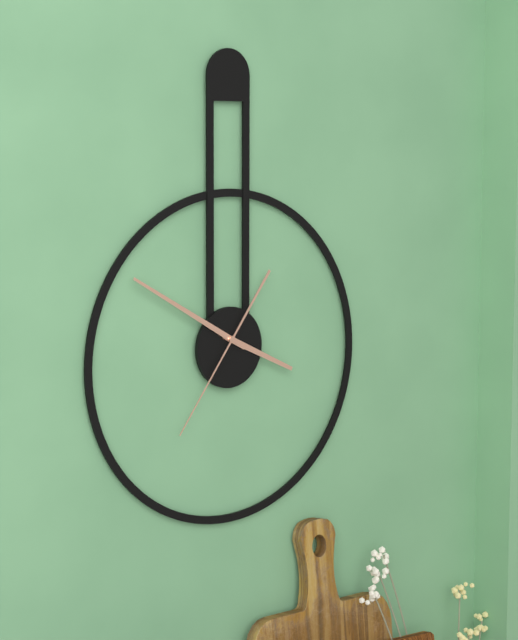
3:50:36
